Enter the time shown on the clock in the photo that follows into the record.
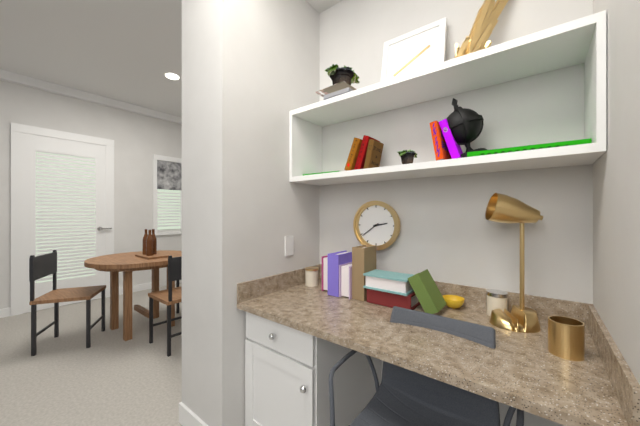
2:39
